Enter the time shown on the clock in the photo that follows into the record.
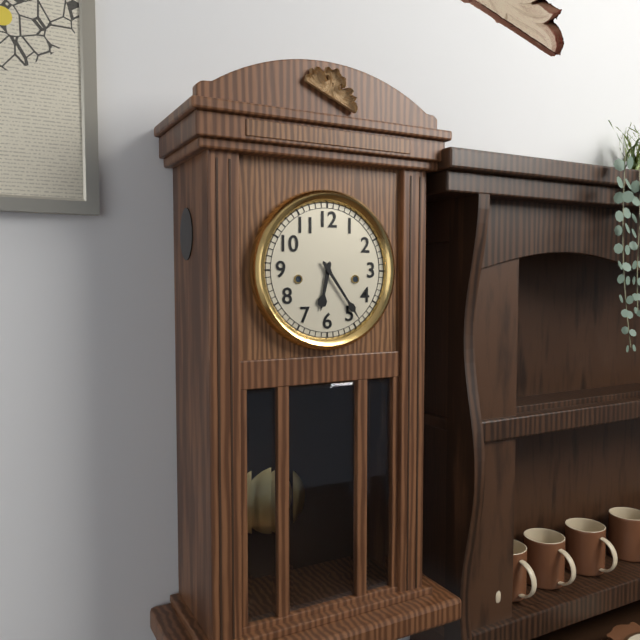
6:24
